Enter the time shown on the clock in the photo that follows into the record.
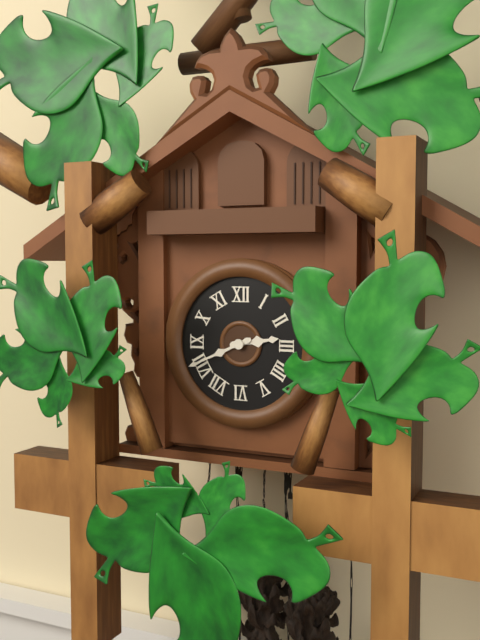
2:41
